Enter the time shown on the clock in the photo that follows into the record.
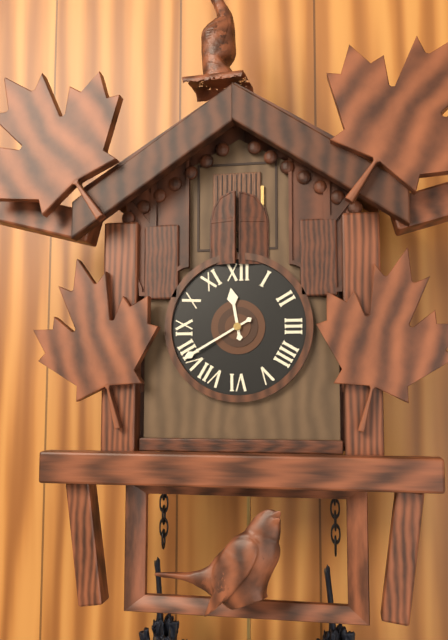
11:40
